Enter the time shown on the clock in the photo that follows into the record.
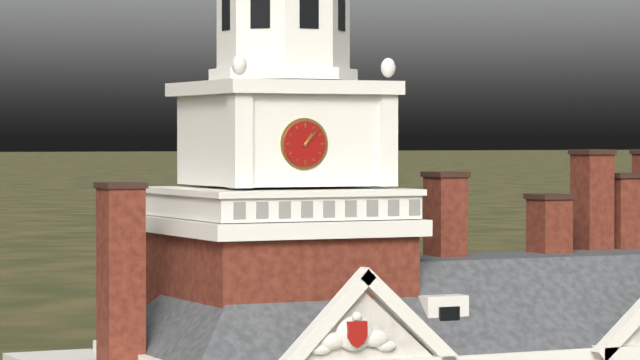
1:07
